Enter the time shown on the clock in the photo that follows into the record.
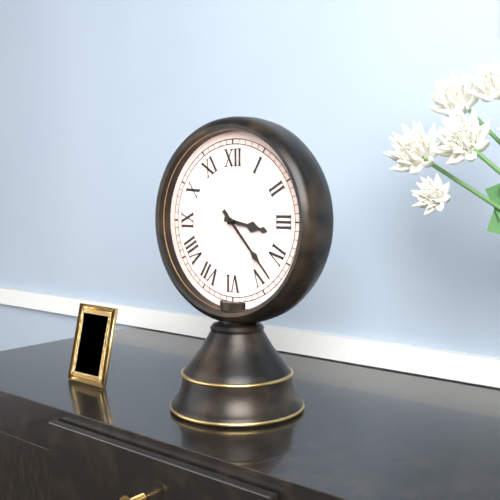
3:23
